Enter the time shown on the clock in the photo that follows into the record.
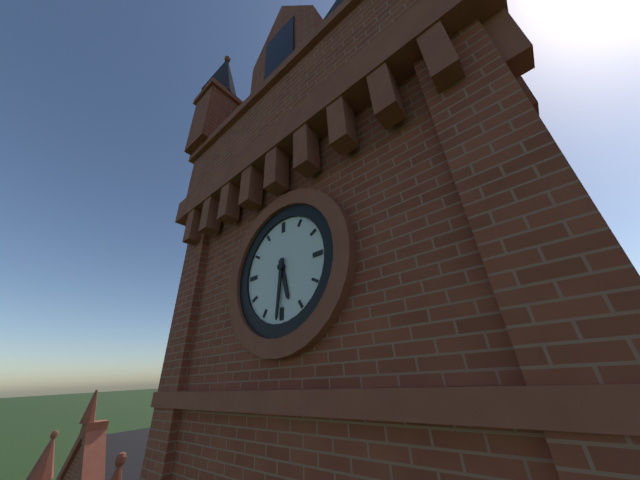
5:31
